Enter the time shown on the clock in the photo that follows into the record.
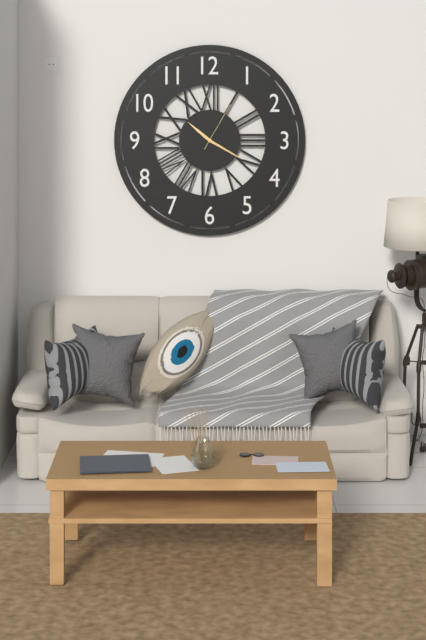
10:20:05
